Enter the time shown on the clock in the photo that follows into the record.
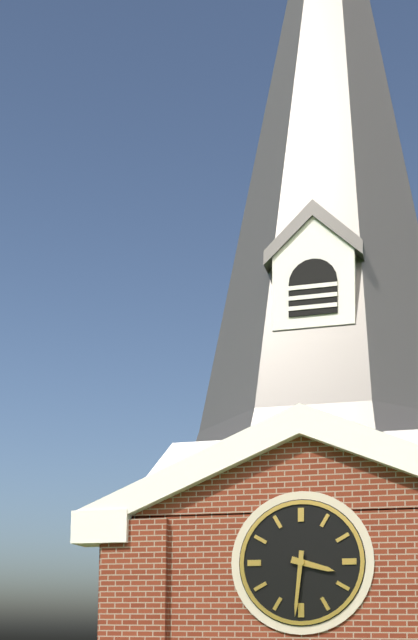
3:31
